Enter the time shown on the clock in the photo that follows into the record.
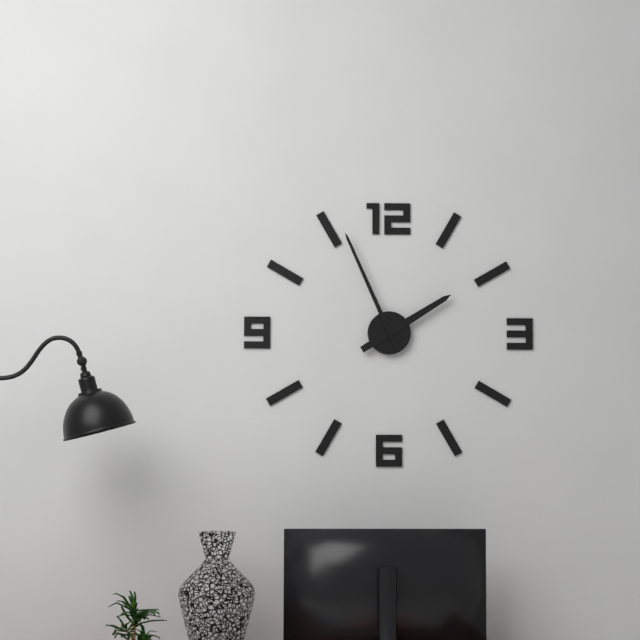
1:56
